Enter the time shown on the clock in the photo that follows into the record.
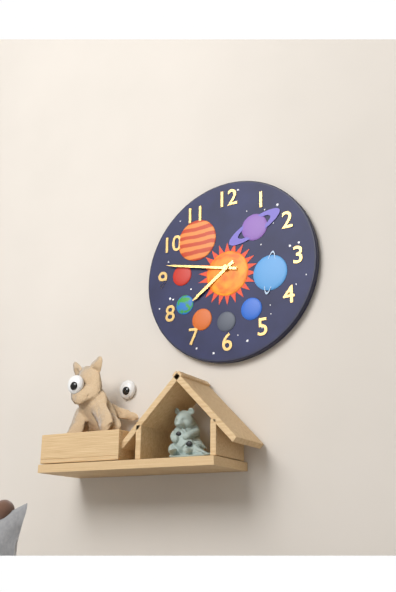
7:47
